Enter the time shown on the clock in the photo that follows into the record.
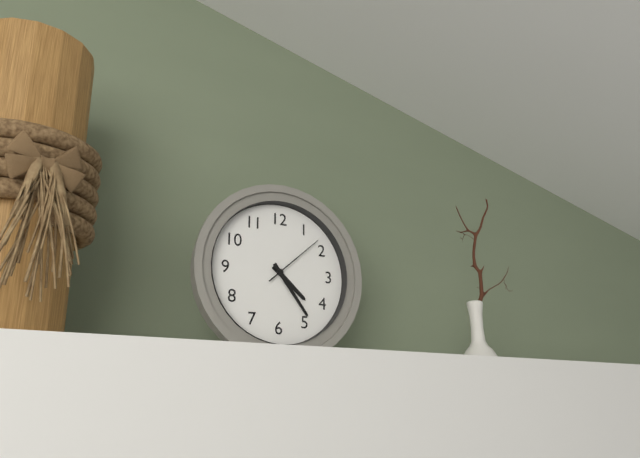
4:24:08
